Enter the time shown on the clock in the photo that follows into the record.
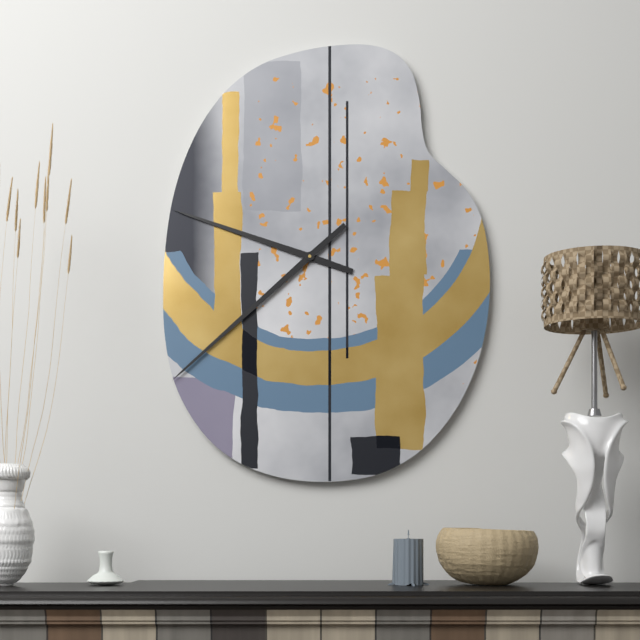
9:38
